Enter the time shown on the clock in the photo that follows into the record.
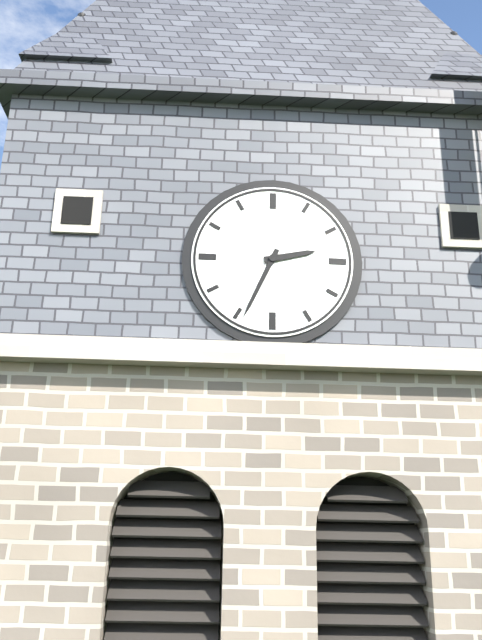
2:34
